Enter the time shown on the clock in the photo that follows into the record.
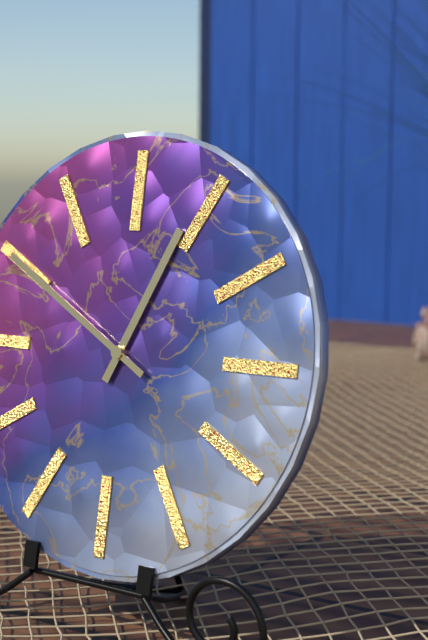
12:50
